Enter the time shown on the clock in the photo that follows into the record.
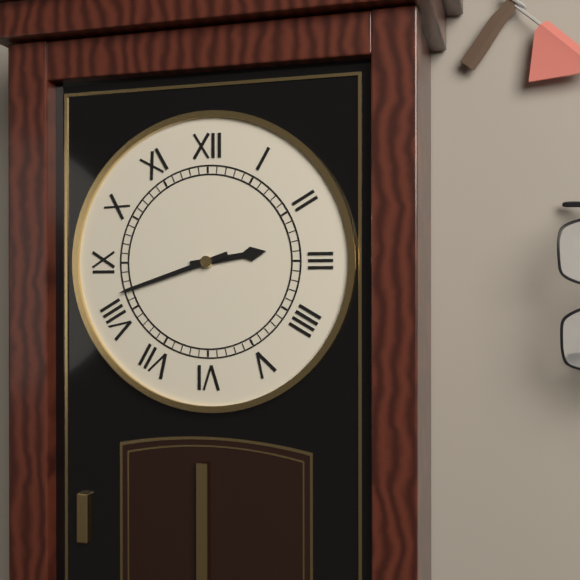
2:42
